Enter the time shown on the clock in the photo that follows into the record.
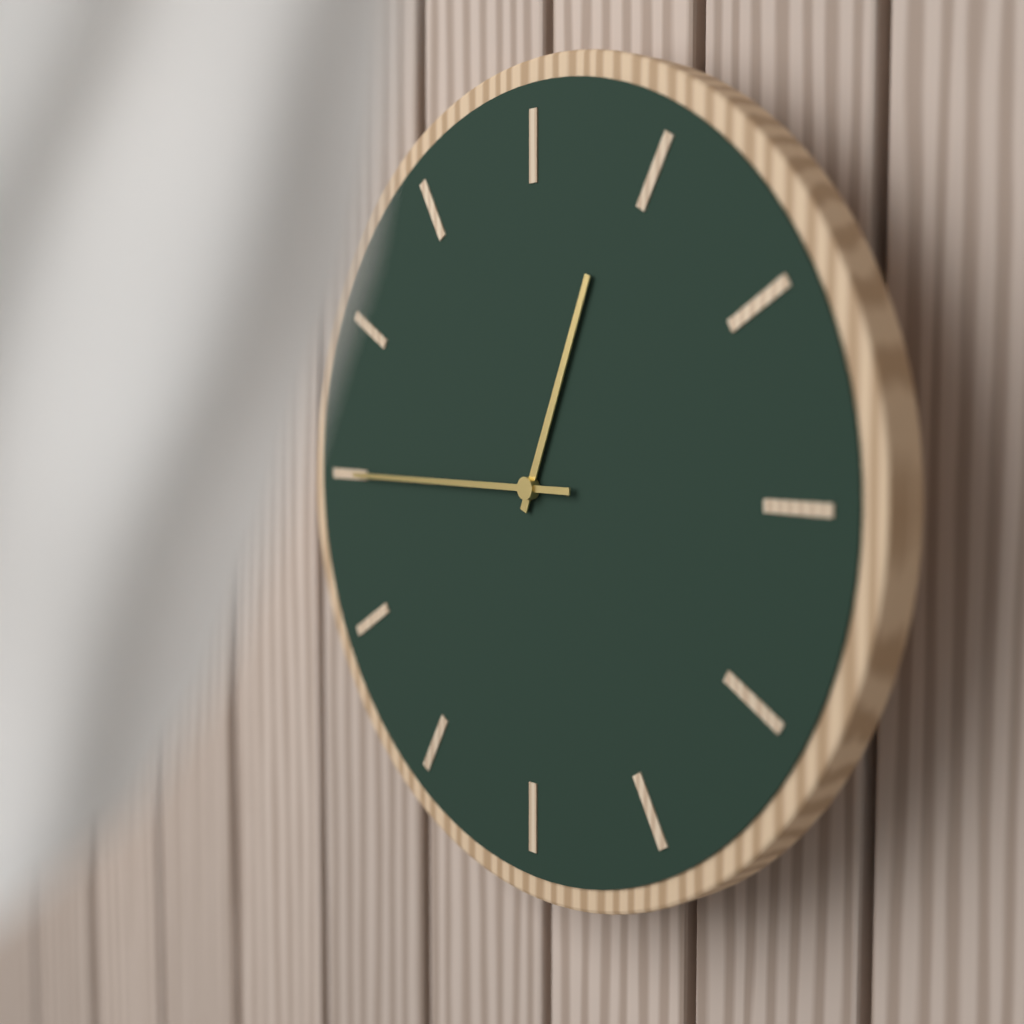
12:45
